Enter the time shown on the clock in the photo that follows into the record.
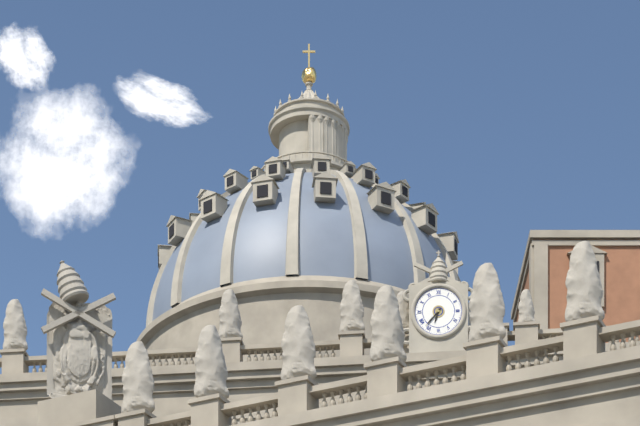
6:37
